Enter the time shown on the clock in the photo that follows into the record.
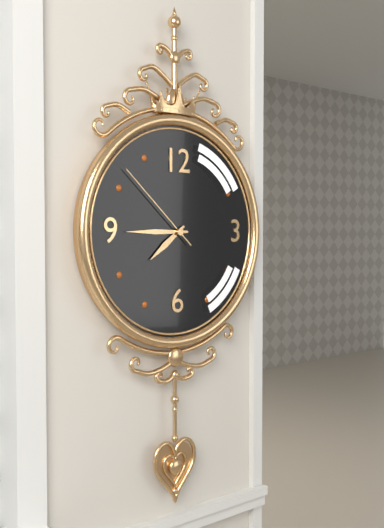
7:45:52
